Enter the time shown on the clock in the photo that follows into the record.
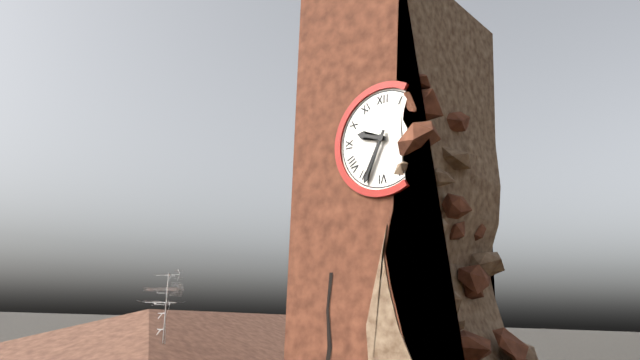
9:34
